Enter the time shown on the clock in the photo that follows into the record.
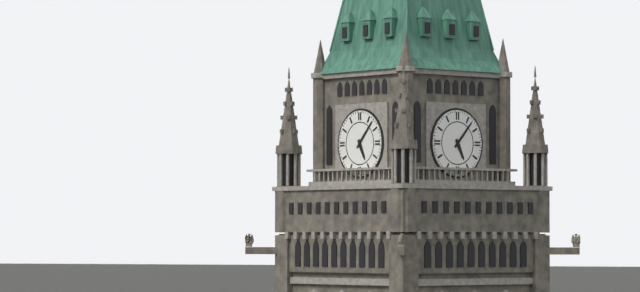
5:07
